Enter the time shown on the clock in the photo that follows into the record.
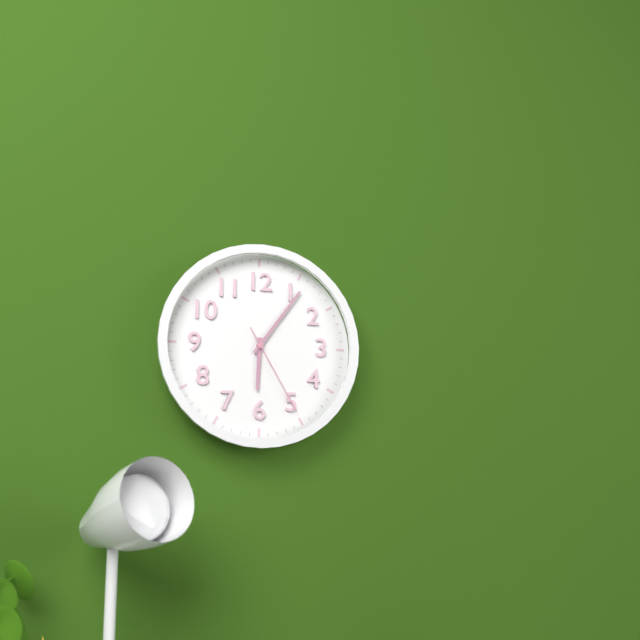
6:06:25
